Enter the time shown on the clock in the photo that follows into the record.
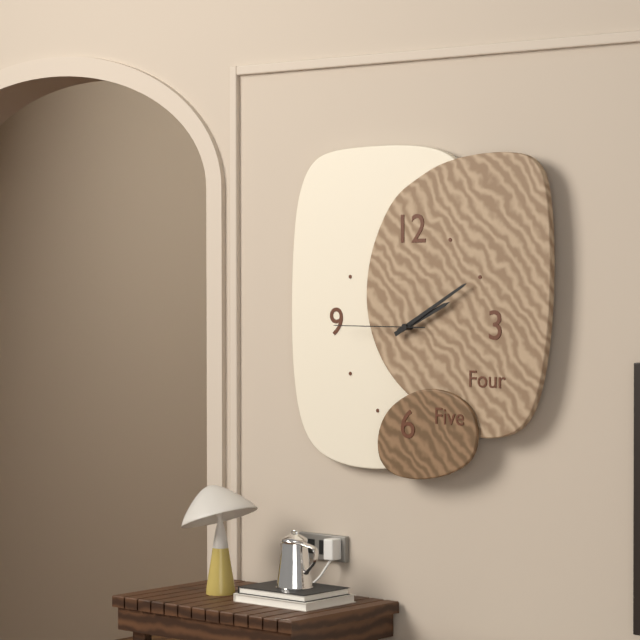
2:10:45
